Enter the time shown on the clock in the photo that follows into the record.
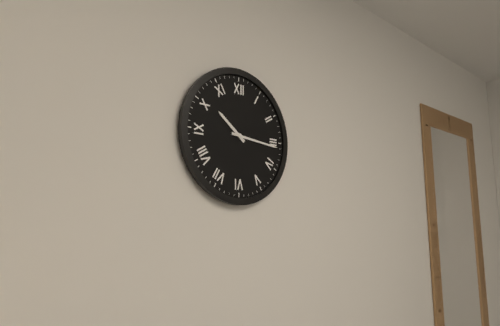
10:16
